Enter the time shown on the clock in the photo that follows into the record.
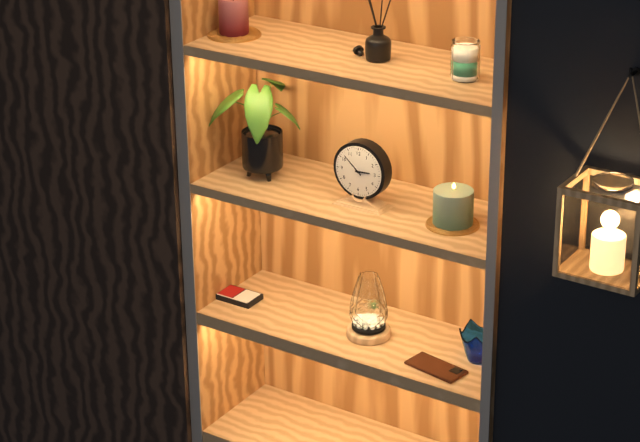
2:52
